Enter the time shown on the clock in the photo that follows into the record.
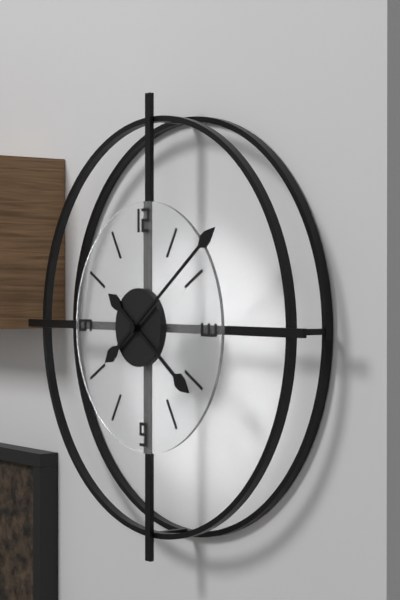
4:09
